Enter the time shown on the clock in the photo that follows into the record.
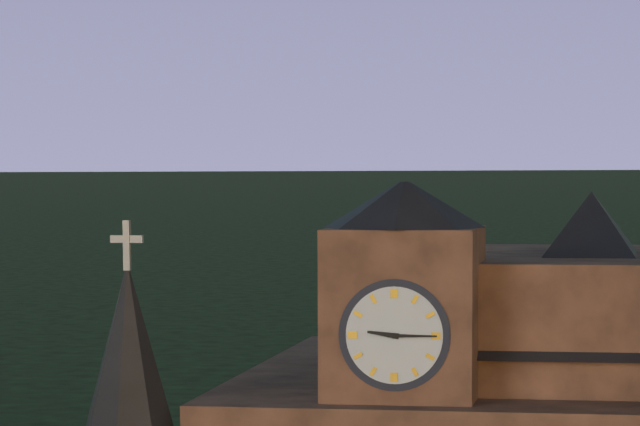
9:15
